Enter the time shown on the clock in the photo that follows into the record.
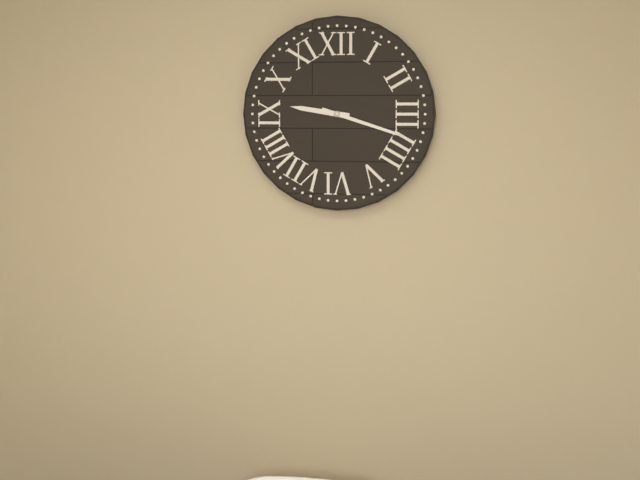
9:18
